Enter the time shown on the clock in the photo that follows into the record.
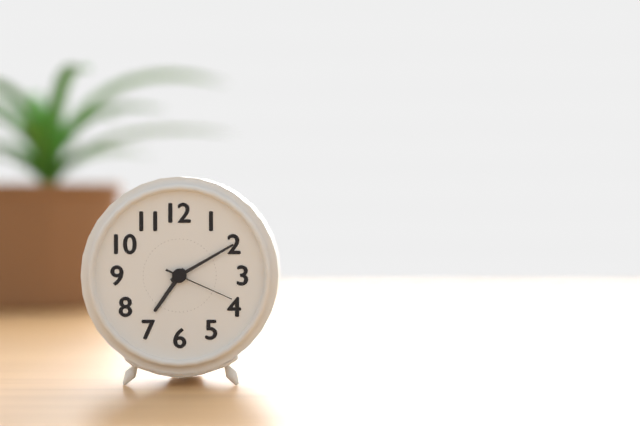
7:10:19
